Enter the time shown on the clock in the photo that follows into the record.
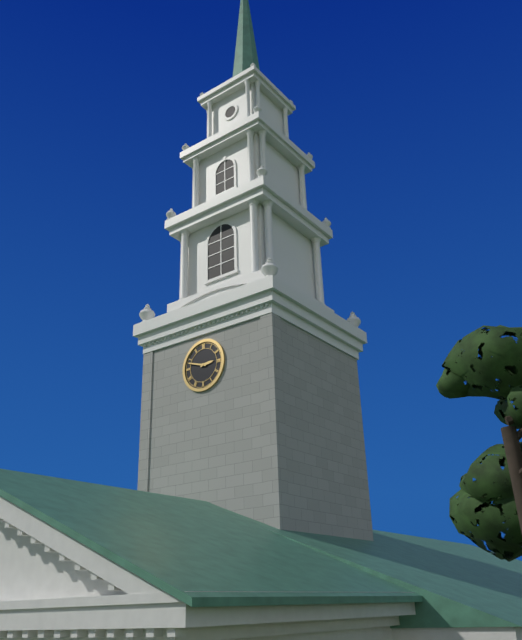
2:48
